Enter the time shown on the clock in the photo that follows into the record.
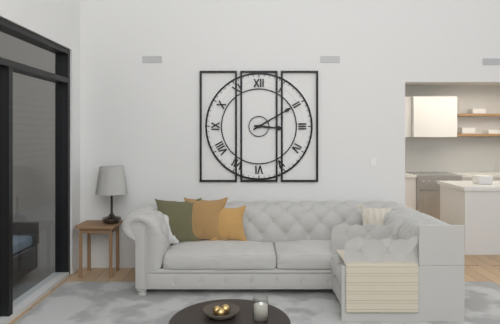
3:10
